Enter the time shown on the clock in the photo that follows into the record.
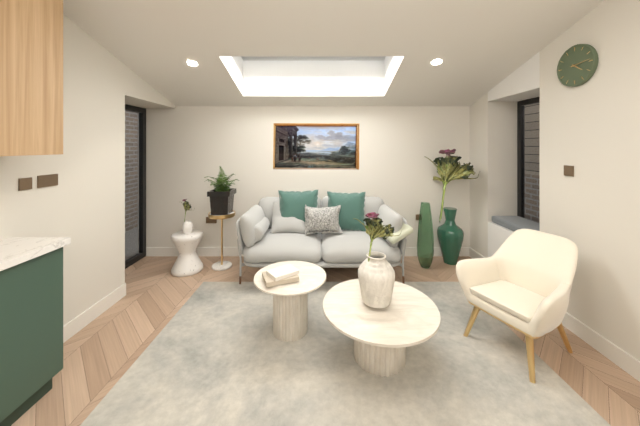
4:14
